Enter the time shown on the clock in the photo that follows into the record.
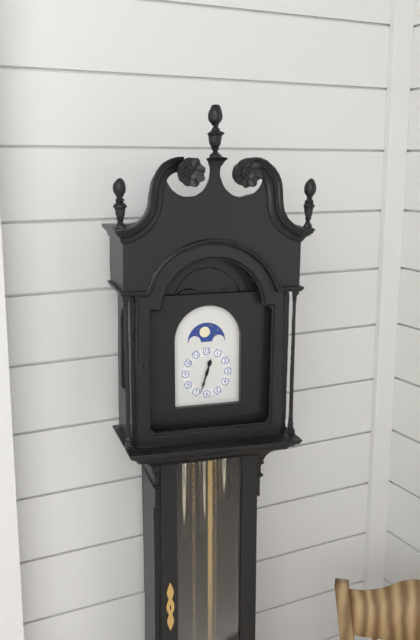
12:33
